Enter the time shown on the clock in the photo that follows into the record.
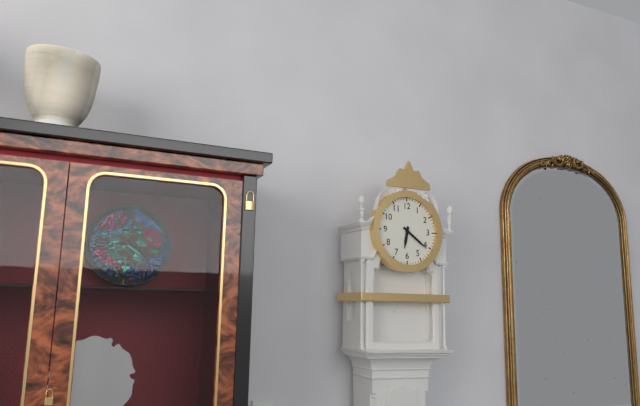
6:21
